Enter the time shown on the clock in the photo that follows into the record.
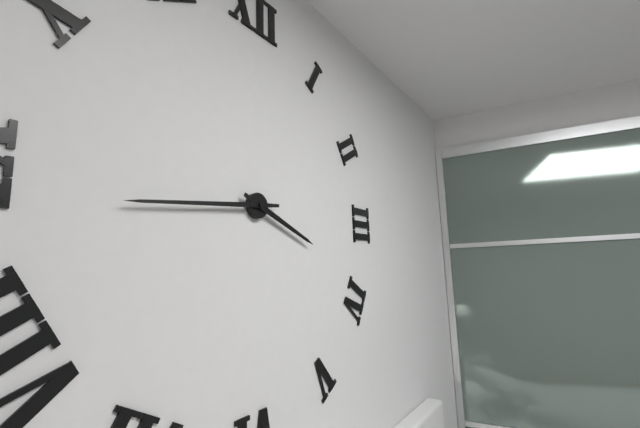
3:44
